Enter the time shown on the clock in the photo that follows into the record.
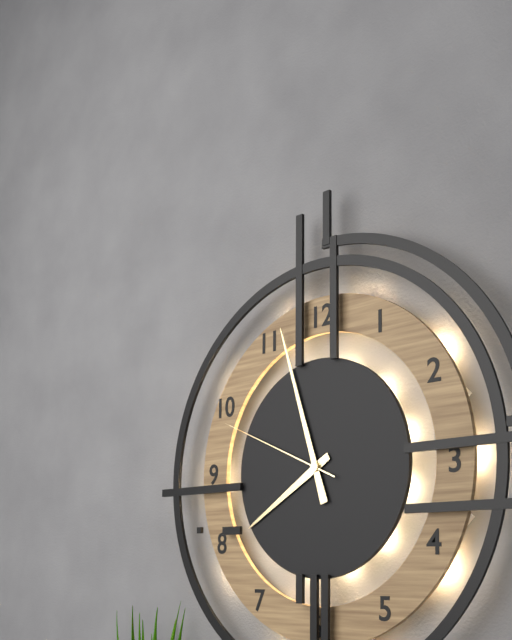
7:57:49
